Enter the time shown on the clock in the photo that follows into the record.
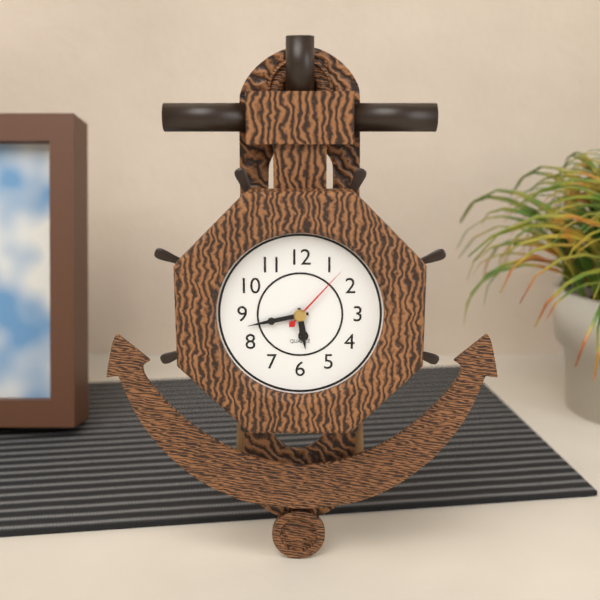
5:43:07
